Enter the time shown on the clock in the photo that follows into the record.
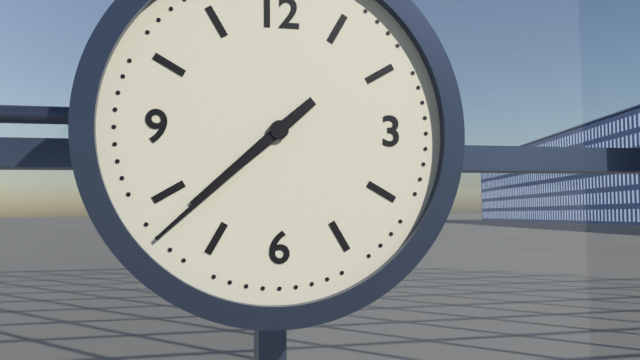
7:38
